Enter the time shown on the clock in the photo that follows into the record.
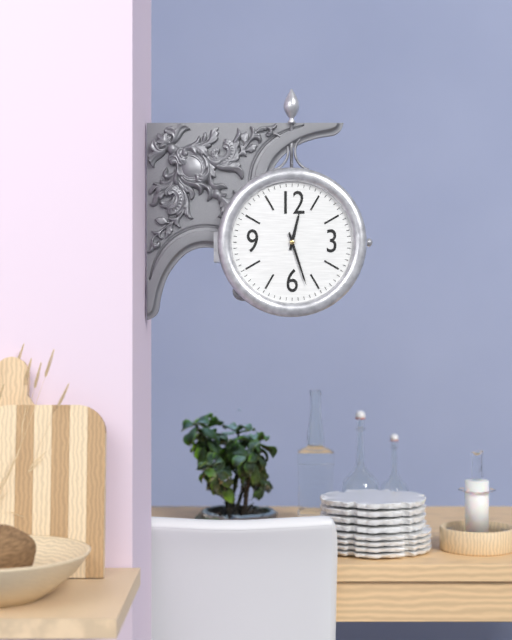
12:27
